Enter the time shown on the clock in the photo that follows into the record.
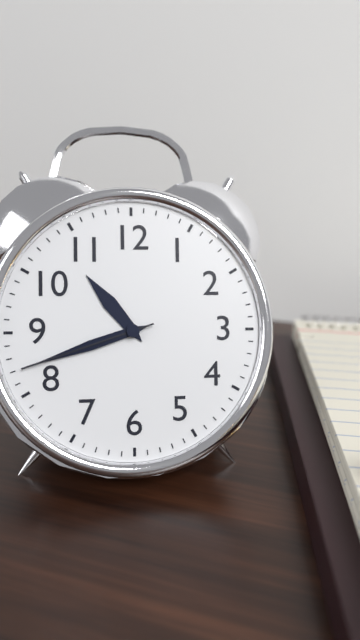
10:42:42
